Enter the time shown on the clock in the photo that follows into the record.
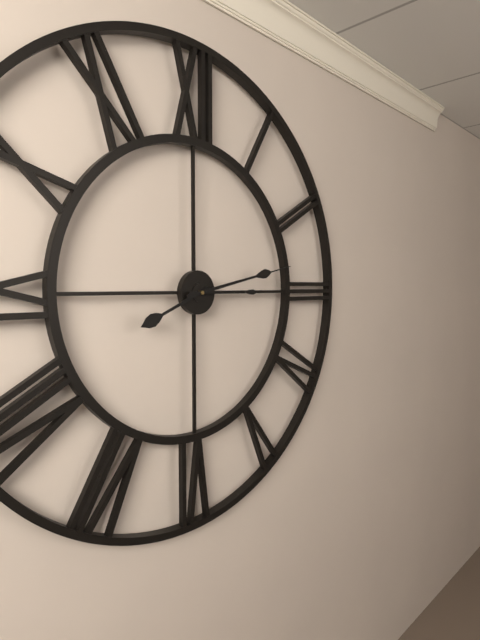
8:13:15
